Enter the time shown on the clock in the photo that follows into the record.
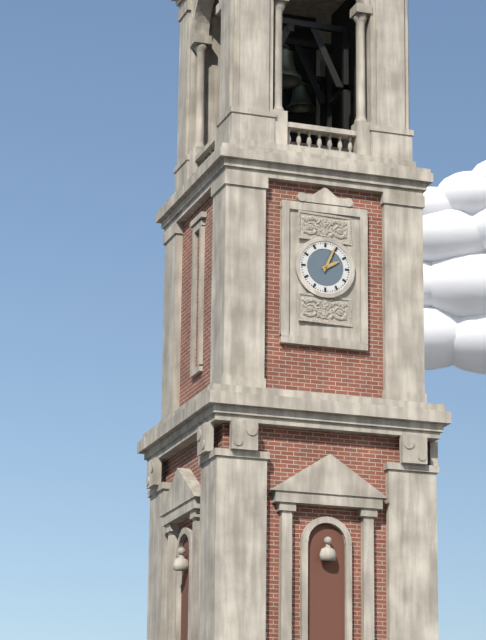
2:04
